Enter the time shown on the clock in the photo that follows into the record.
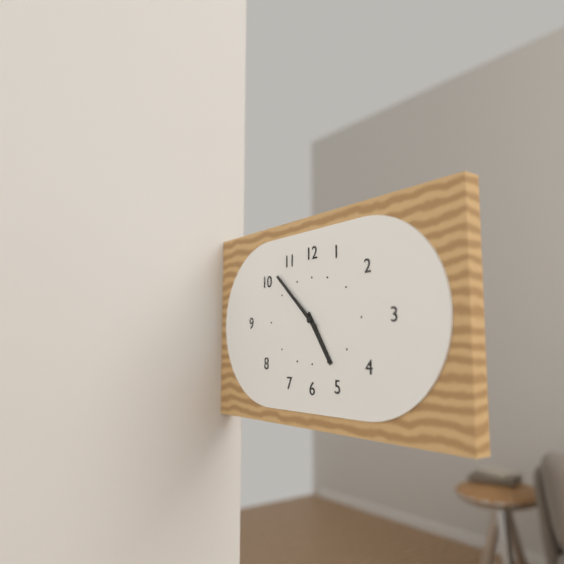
4:52
